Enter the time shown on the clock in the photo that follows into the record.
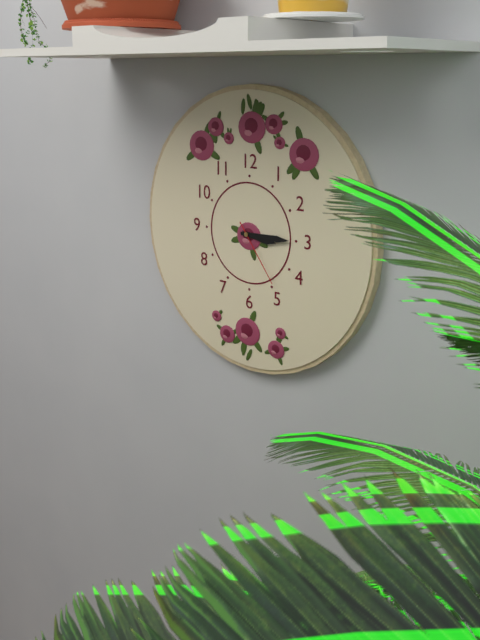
3:15:24
